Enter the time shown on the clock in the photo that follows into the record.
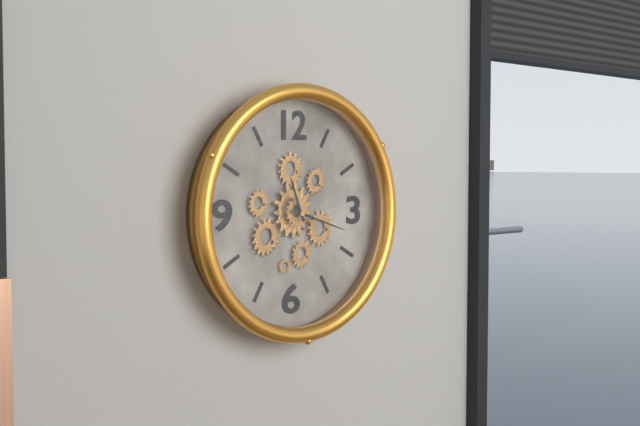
11:18
